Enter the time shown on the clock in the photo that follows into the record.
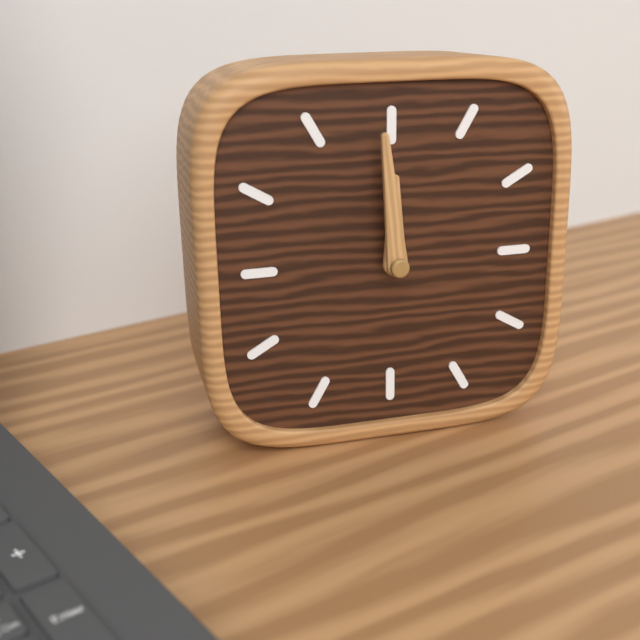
11:59
